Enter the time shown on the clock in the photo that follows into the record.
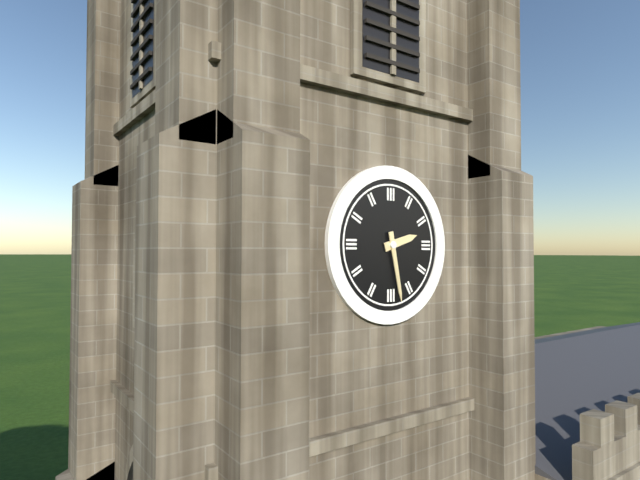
2:28
